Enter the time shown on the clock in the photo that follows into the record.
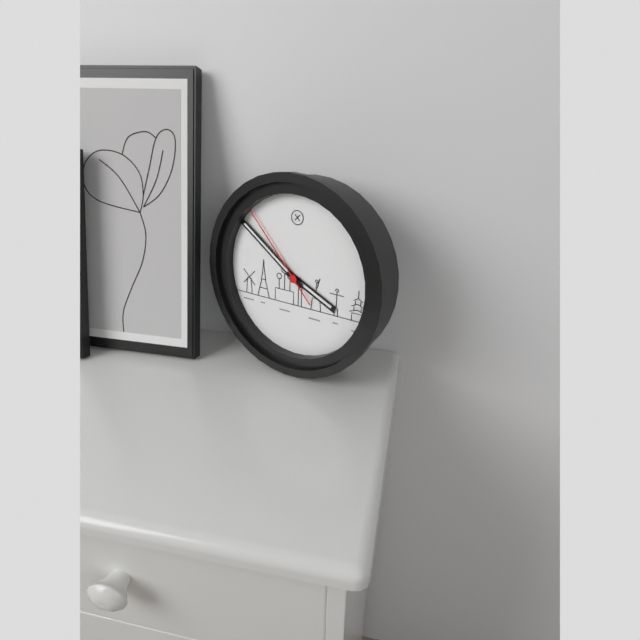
3:51:53
